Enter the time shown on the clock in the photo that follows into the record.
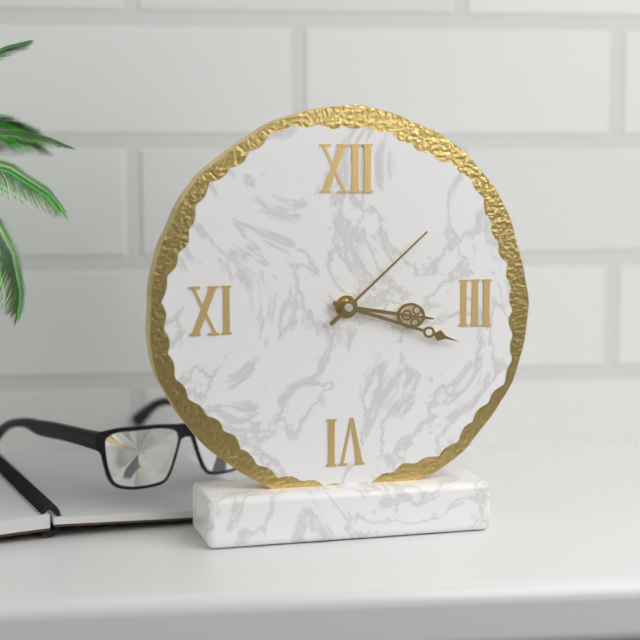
3:18:08
